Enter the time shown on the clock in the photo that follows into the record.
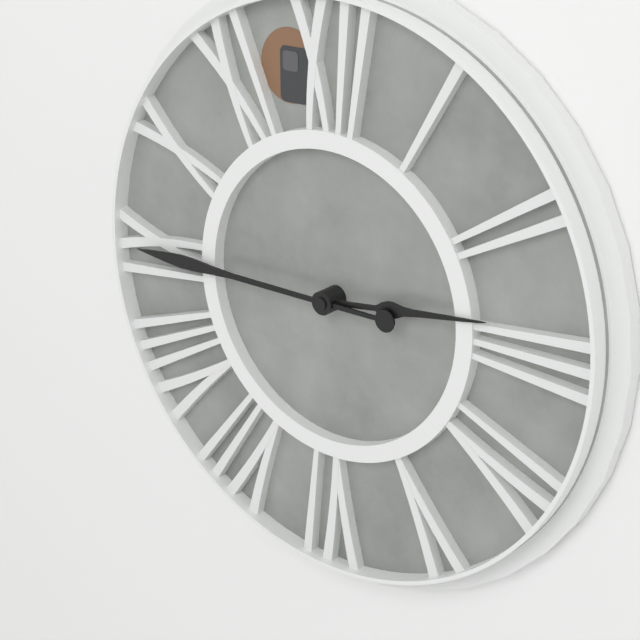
2:45
